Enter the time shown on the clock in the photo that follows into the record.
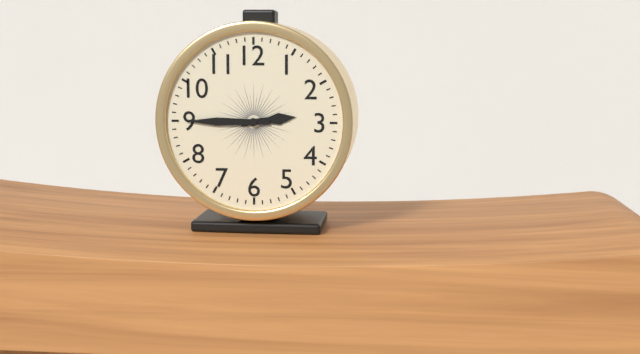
2:45
